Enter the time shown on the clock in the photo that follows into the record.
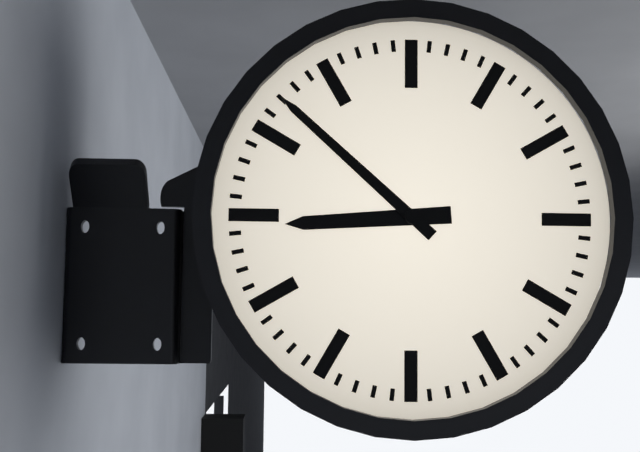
8:52
